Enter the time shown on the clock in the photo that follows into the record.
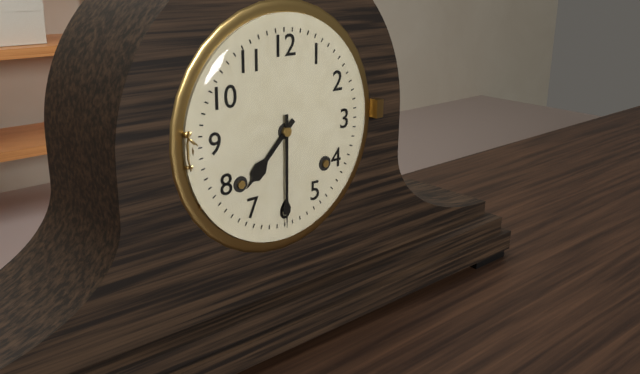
7:30
